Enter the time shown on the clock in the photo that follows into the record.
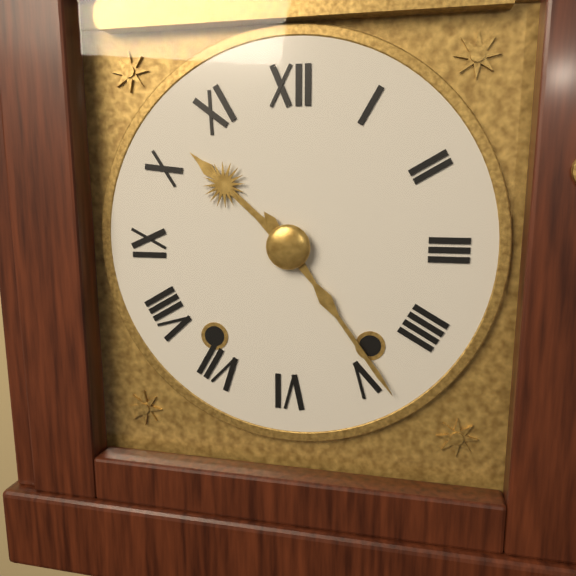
10:24
